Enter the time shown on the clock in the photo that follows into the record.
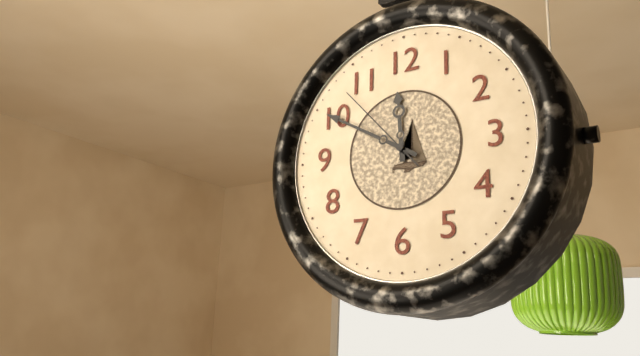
11:50:53
